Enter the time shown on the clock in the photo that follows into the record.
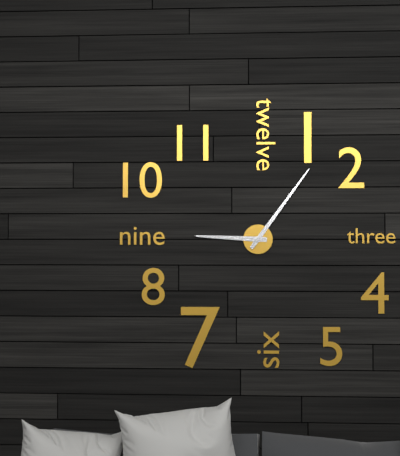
9:06
